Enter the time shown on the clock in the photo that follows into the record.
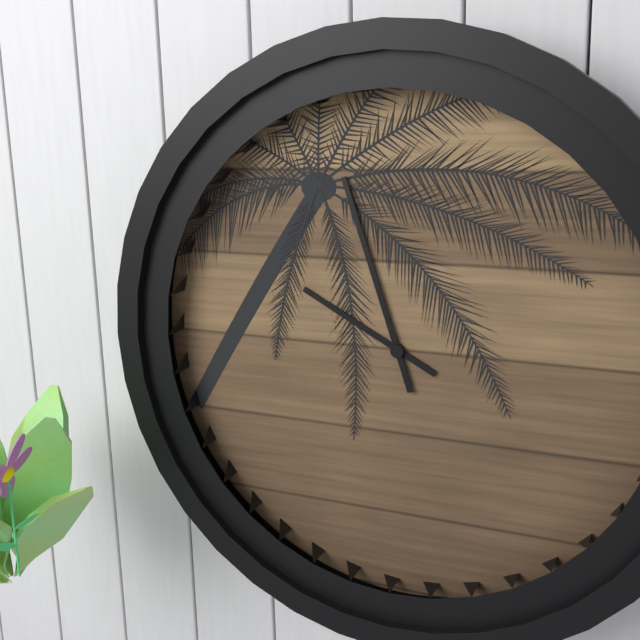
9:57
